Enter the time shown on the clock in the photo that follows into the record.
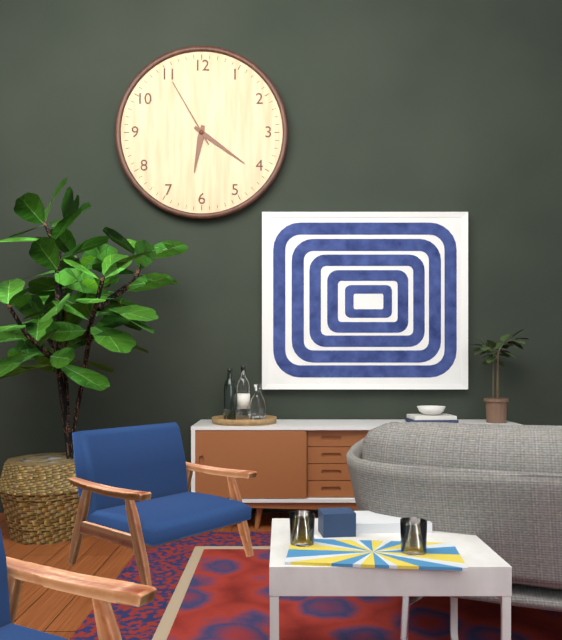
6:21:55
